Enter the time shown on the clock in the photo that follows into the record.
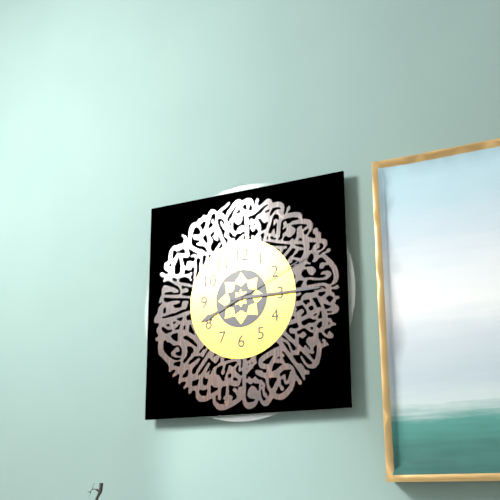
8:15:11
